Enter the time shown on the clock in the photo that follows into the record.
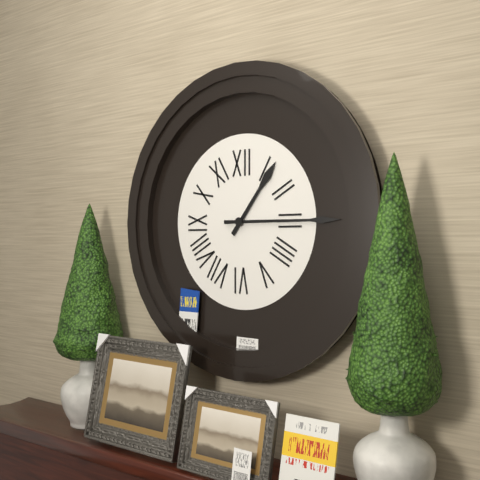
1:15
